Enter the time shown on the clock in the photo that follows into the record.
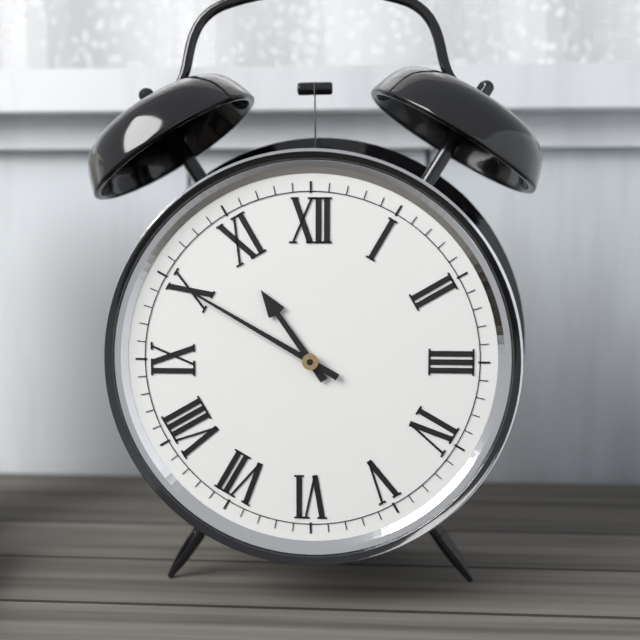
10:50
